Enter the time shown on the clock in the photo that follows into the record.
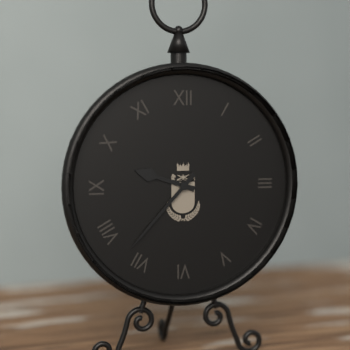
9:37
